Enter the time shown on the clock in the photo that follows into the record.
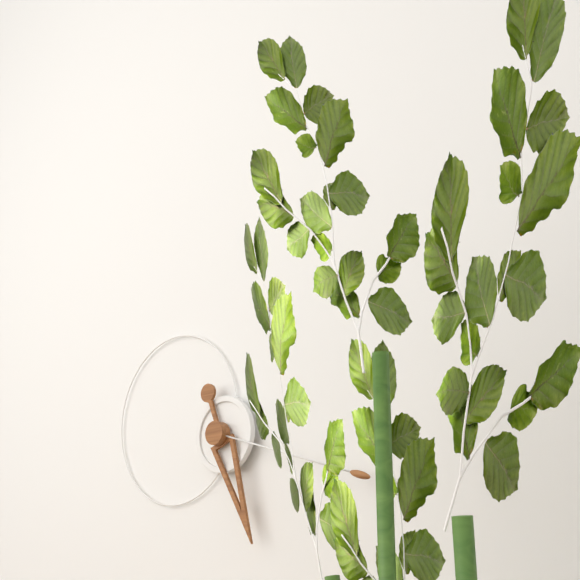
5:18
